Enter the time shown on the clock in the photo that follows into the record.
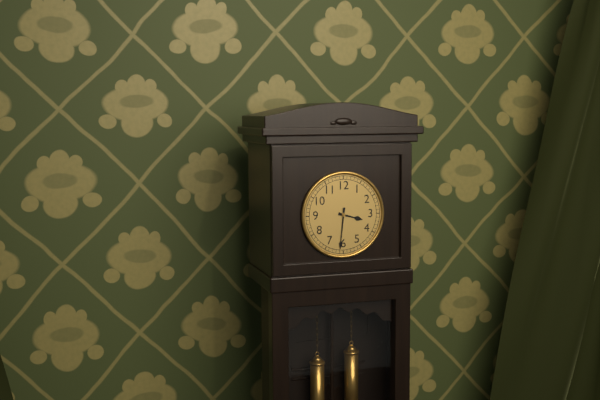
3:31
